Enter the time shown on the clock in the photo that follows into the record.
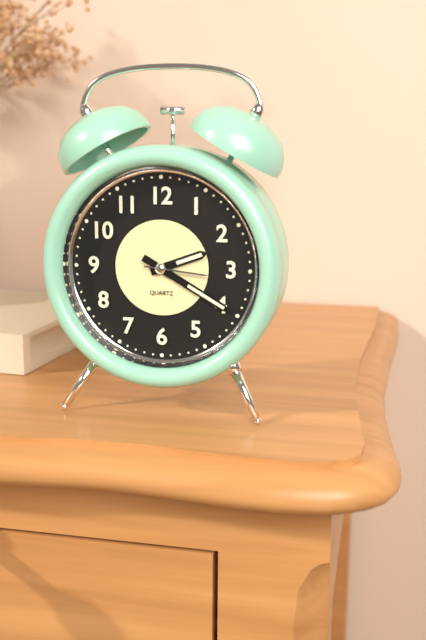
2:20:16
